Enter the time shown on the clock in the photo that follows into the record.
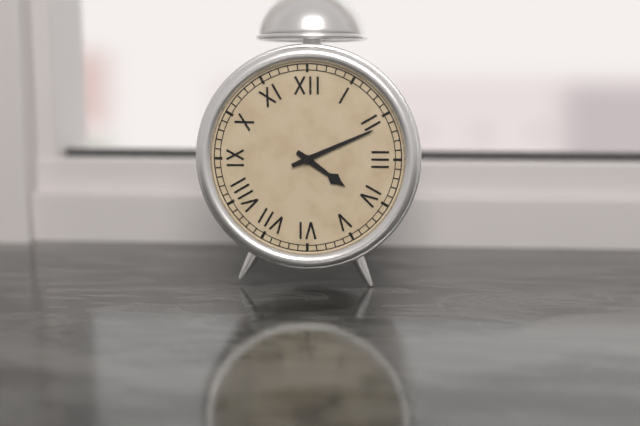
4:11
